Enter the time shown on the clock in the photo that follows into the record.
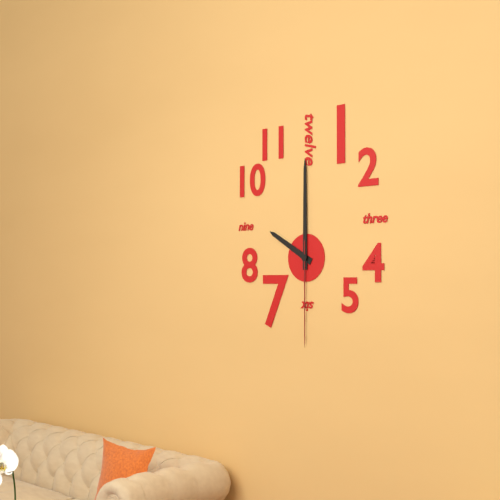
10:00:30
